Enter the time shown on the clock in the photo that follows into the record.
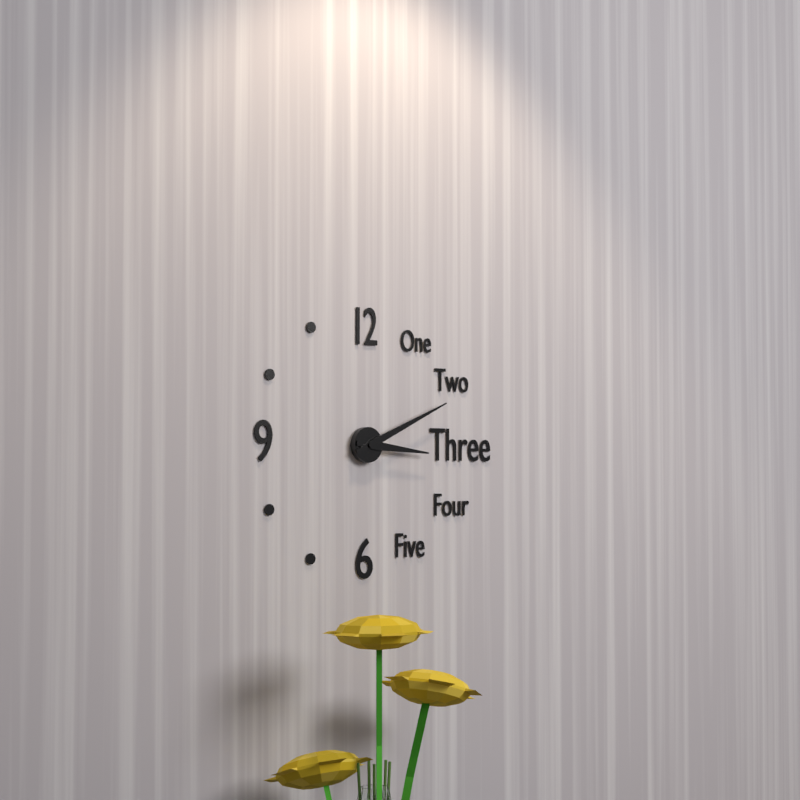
3:11
